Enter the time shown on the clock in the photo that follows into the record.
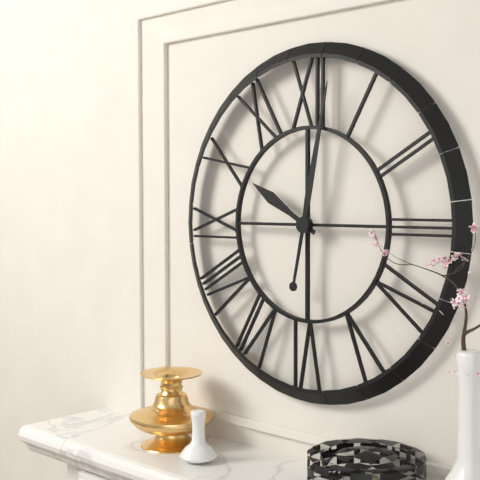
10:02
